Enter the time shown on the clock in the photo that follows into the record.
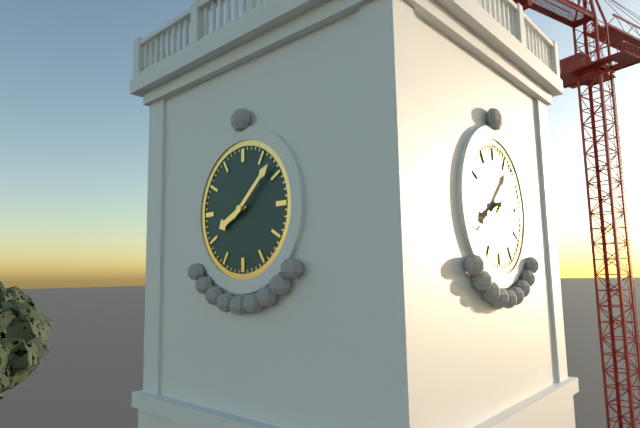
8:08
